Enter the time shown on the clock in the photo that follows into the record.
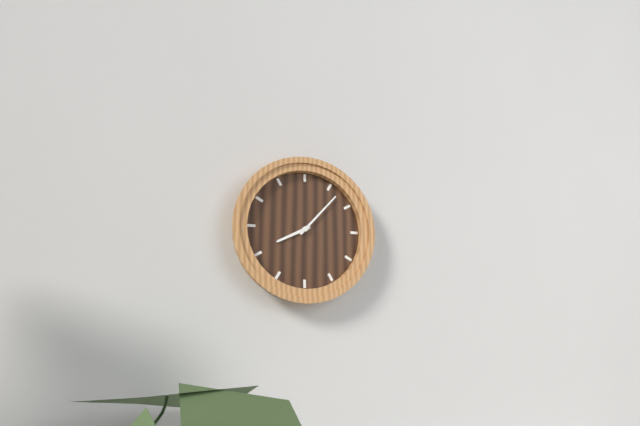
8:07
